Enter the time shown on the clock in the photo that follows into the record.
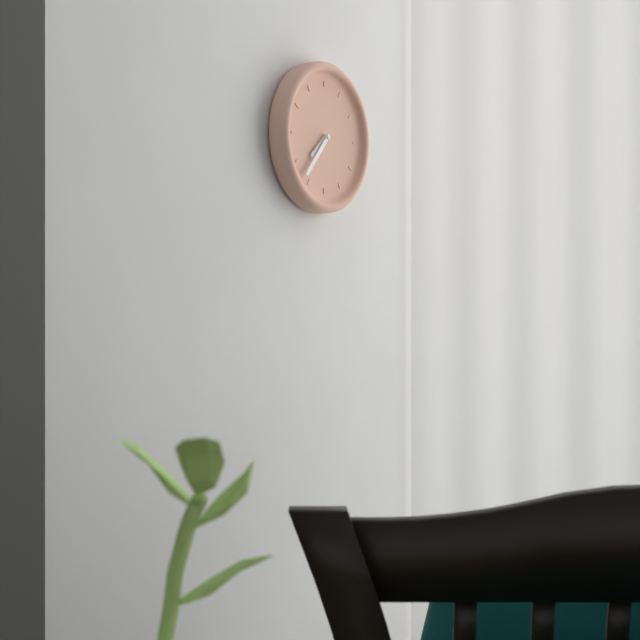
7:37
